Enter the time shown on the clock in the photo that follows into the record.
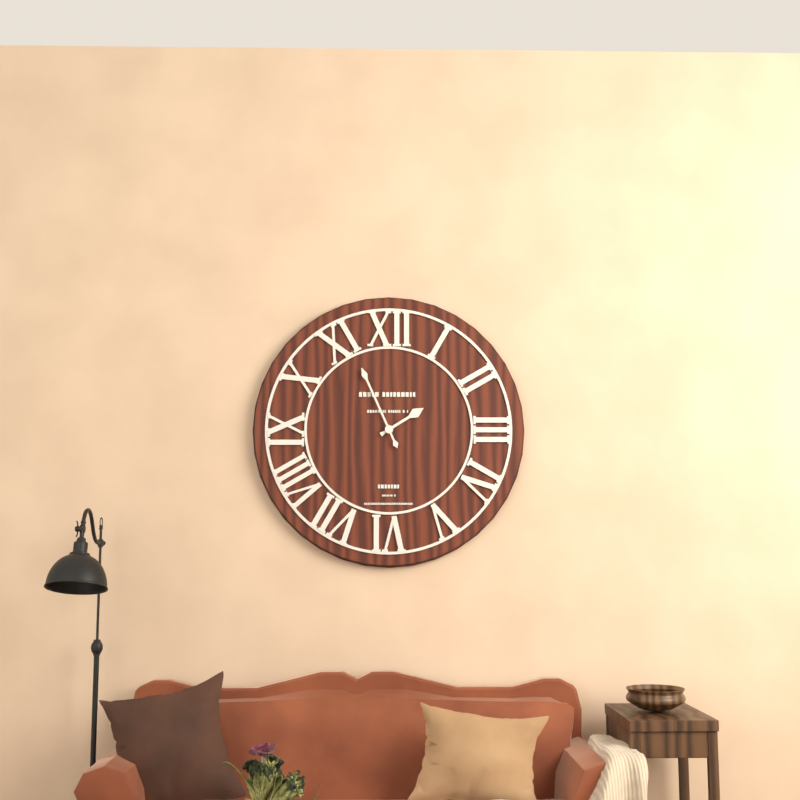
1:56
